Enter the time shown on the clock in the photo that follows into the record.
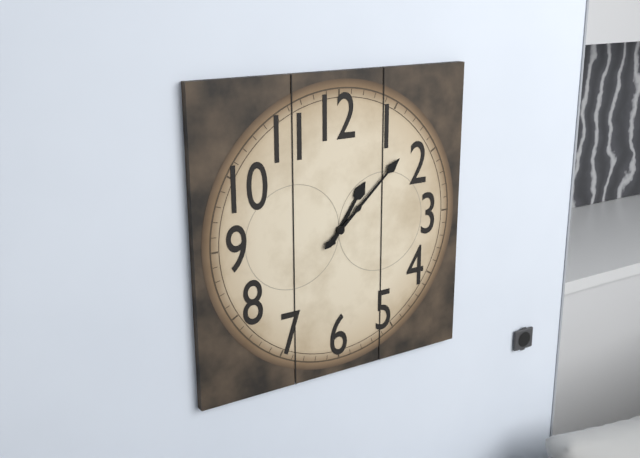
1:08
